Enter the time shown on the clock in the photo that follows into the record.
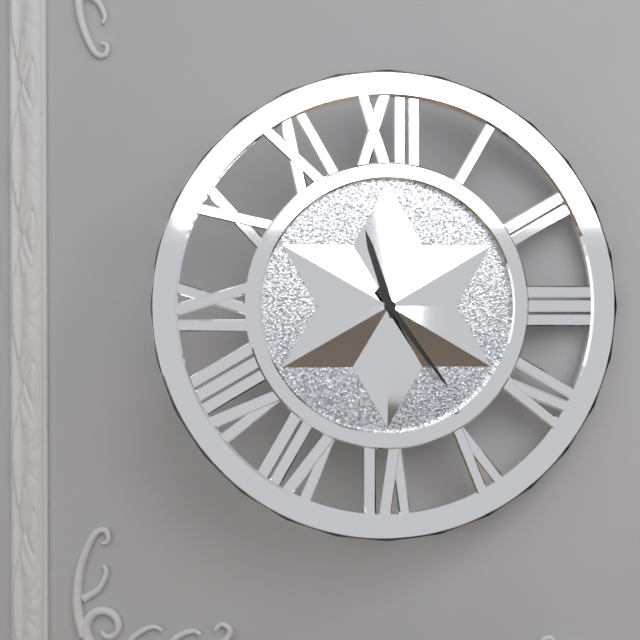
11:24
